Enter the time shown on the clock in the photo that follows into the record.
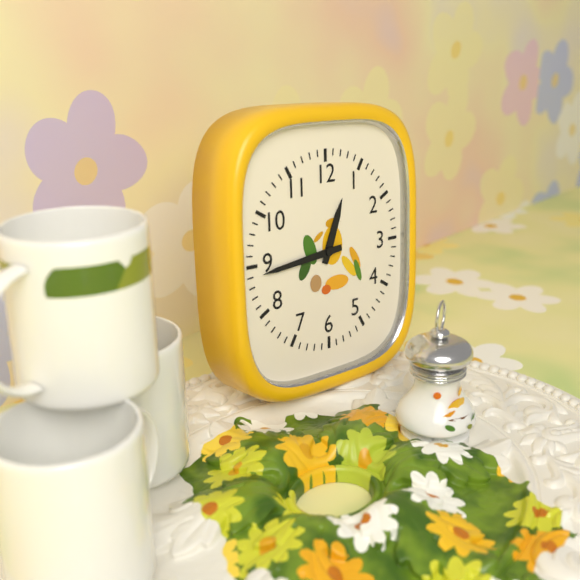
12:44
